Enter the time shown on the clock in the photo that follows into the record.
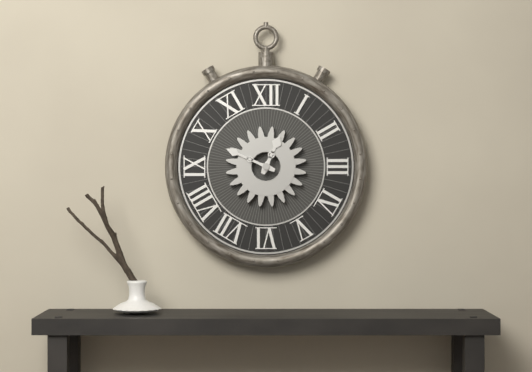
12:49
